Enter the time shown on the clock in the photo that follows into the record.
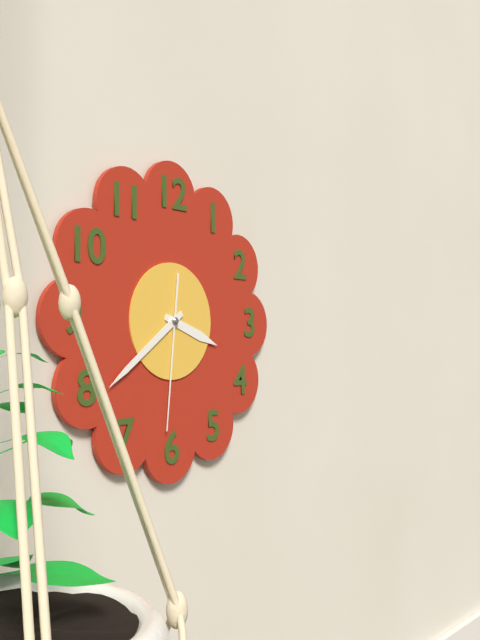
3:39:31
